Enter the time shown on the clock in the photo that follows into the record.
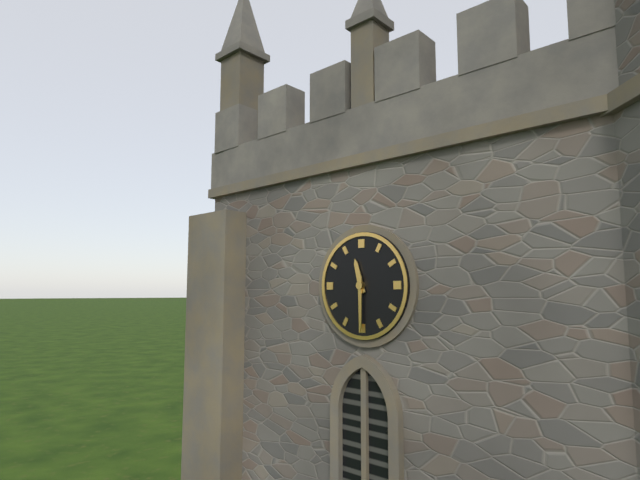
11:30
